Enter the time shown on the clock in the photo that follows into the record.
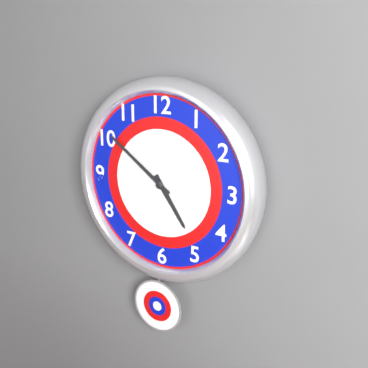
4:51
